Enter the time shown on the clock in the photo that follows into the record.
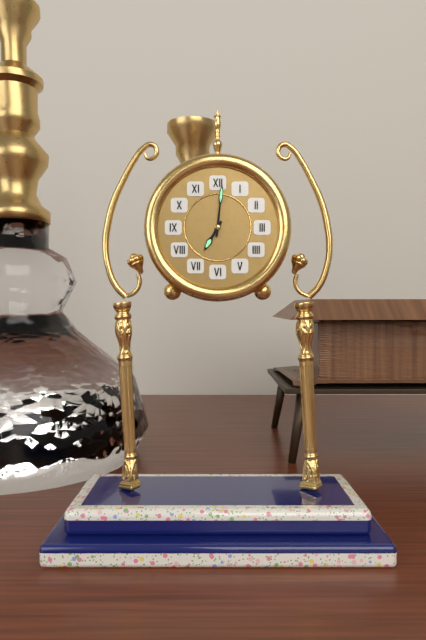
7:01
